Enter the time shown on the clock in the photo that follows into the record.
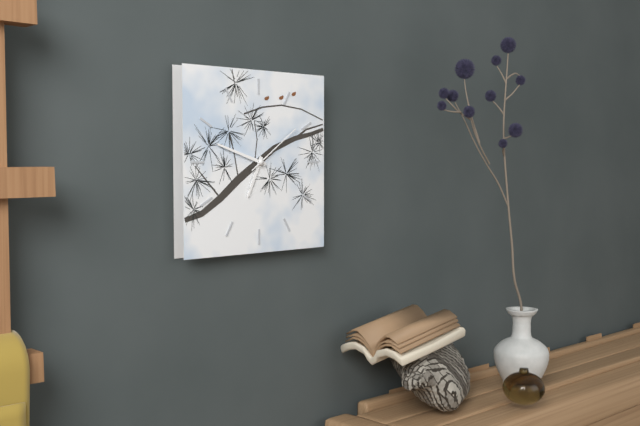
6:48:09
